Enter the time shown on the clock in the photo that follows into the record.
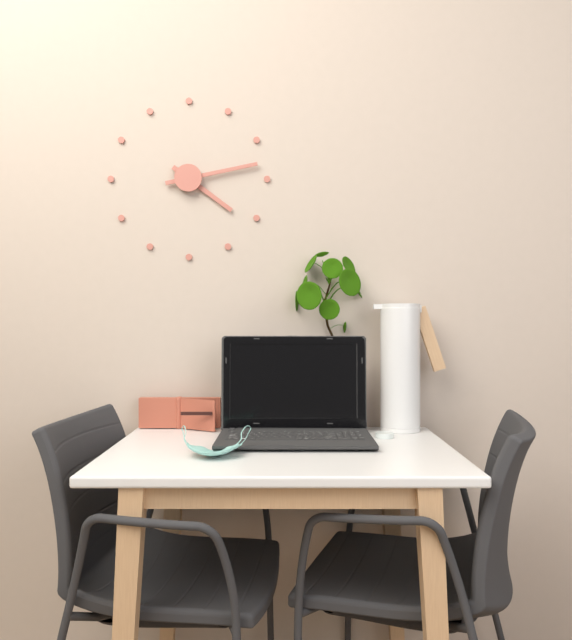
4:13
